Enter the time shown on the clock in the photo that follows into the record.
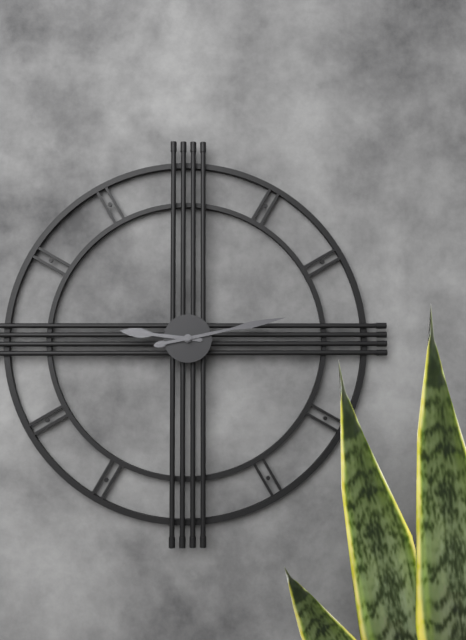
9:13
